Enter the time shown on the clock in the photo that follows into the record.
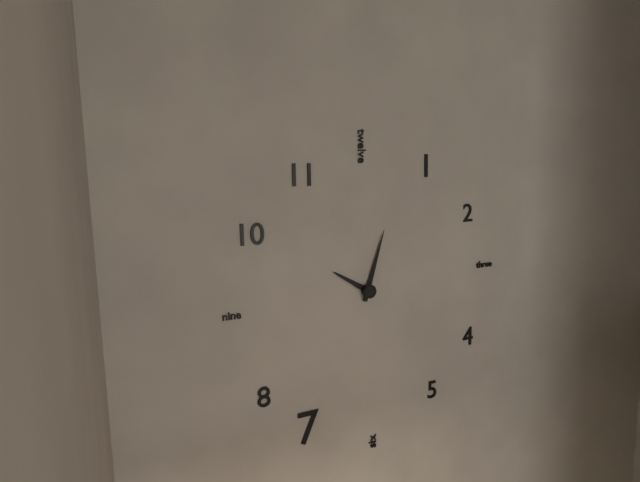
10:03
